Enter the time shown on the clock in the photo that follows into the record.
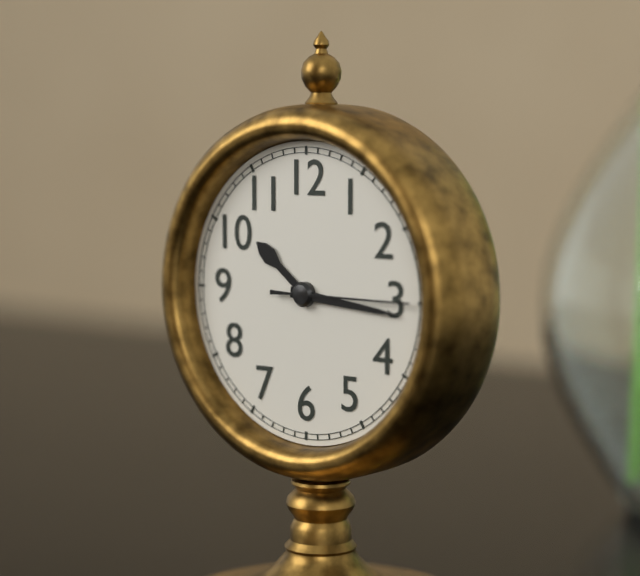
10:16:15
